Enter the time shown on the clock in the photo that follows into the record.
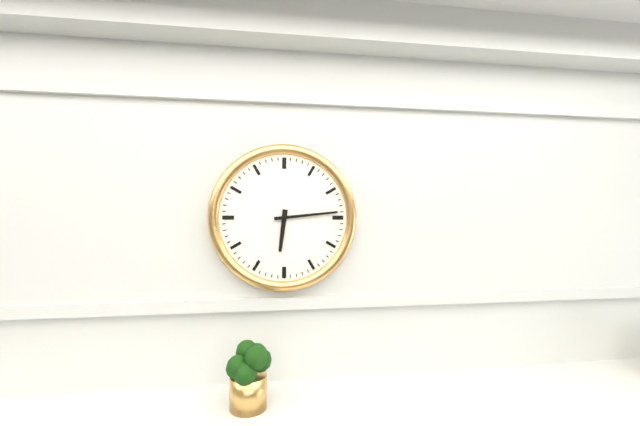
6:14
